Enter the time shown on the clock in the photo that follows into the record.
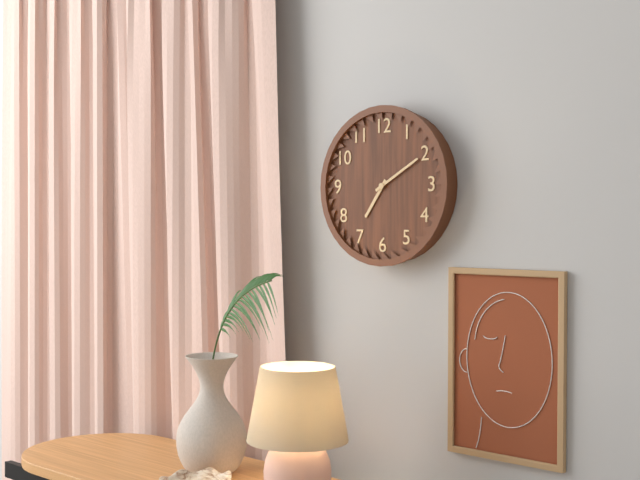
7:10
